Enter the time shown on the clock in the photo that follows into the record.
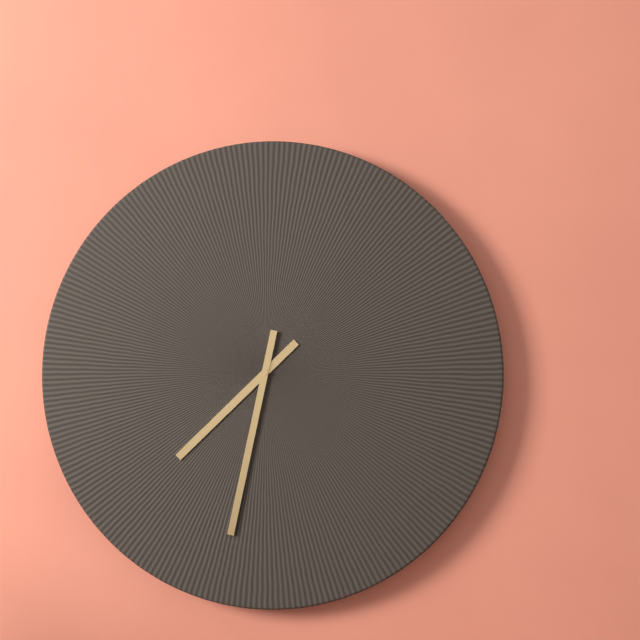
7:32
